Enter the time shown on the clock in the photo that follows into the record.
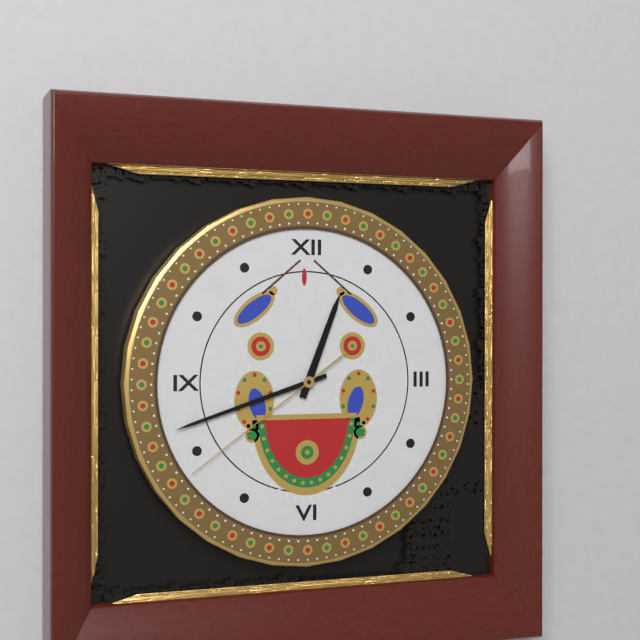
12:42:39
